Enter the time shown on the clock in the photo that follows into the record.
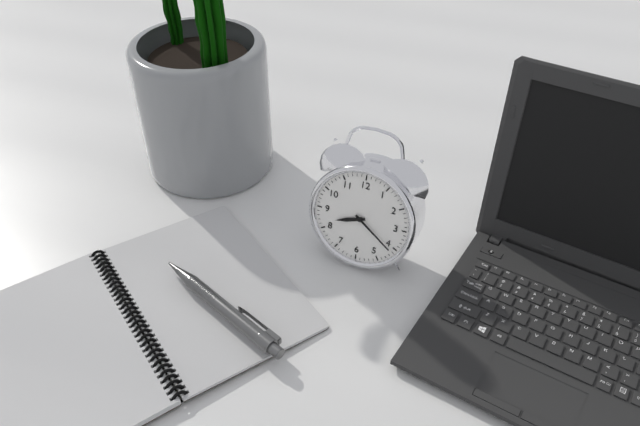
8:21
